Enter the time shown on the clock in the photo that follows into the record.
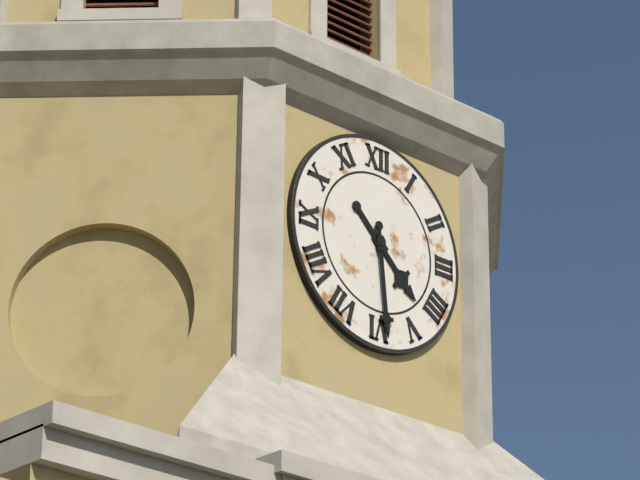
4:29
